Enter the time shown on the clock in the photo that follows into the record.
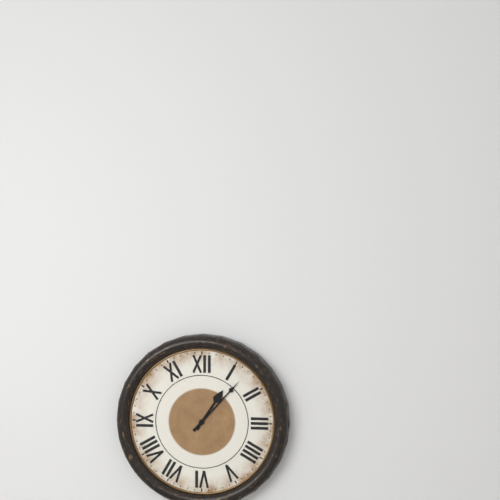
1:07
